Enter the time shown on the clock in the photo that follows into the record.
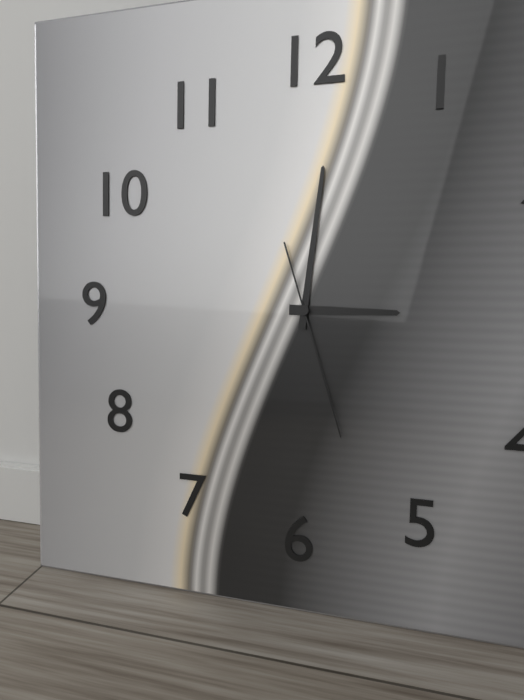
3:01:27
